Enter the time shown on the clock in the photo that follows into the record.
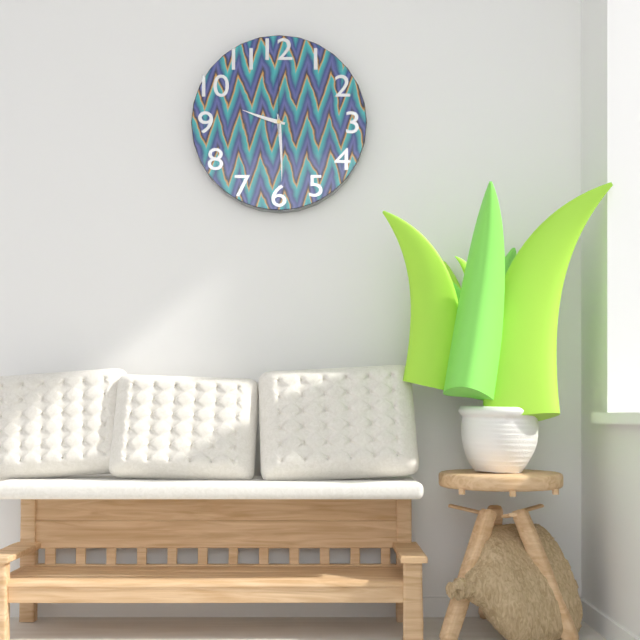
9:29:00
